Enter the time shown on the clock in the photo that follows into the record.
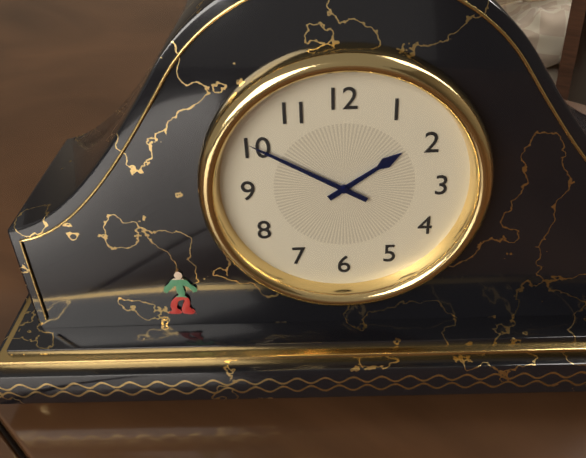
1:50
